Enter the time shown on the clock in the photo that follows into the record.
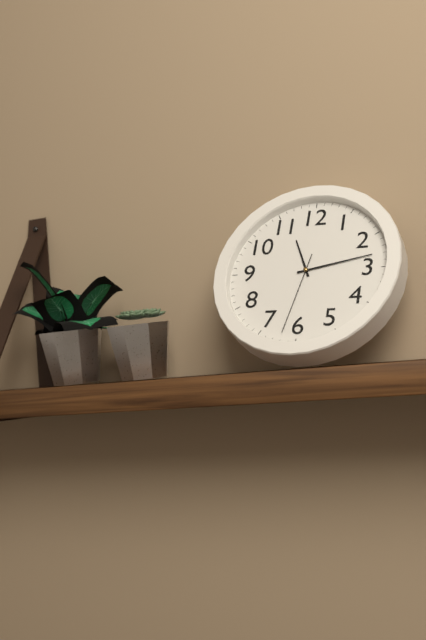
11:13:32
